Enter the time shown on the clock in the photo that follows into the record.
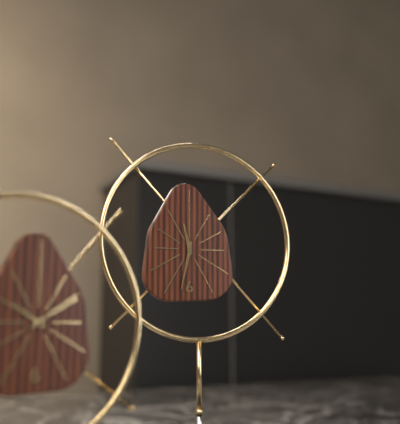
11:32
